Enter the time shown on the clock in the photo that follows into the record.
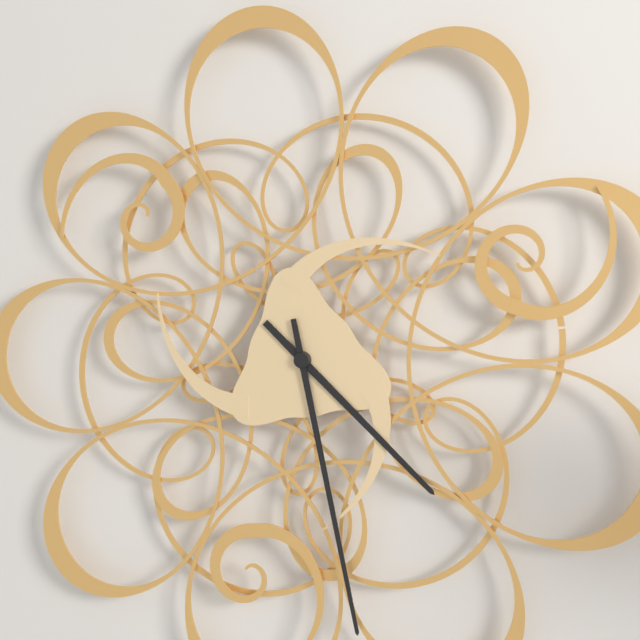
4:28
